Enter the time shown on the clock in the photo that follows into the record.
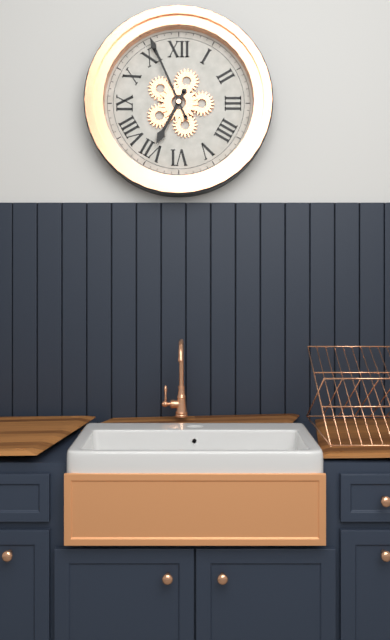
6:56
